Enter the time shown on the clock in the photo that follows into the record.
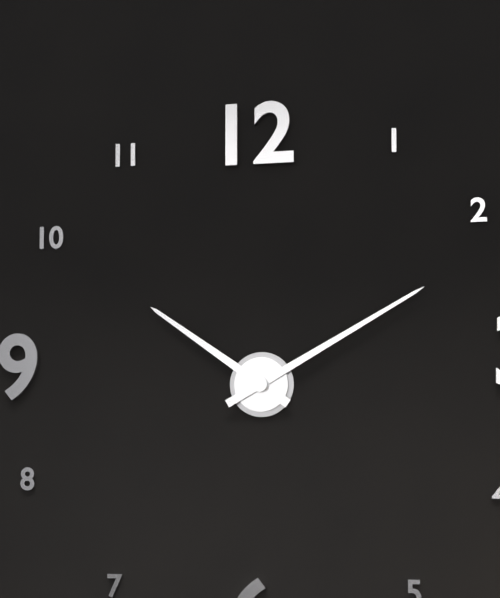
10:10
